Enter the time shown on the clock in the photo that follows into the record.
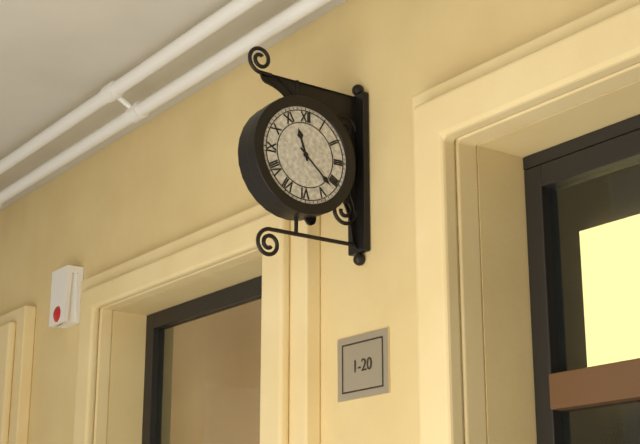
11:22
